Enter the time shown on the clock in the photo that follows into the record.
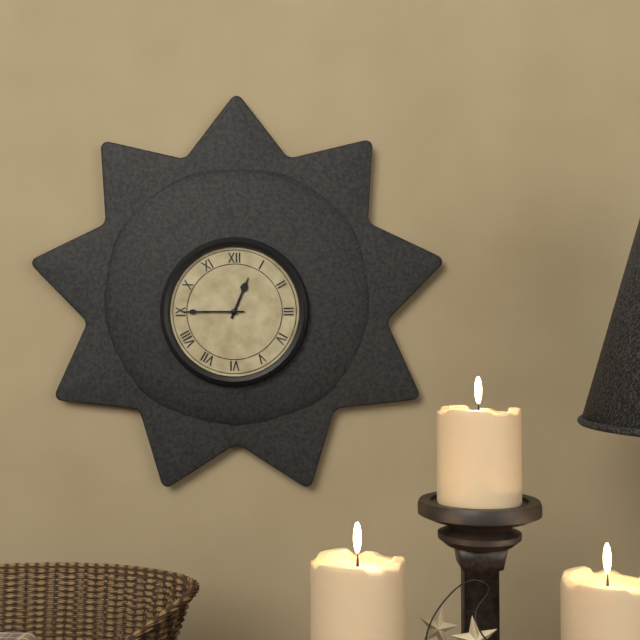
12:45
